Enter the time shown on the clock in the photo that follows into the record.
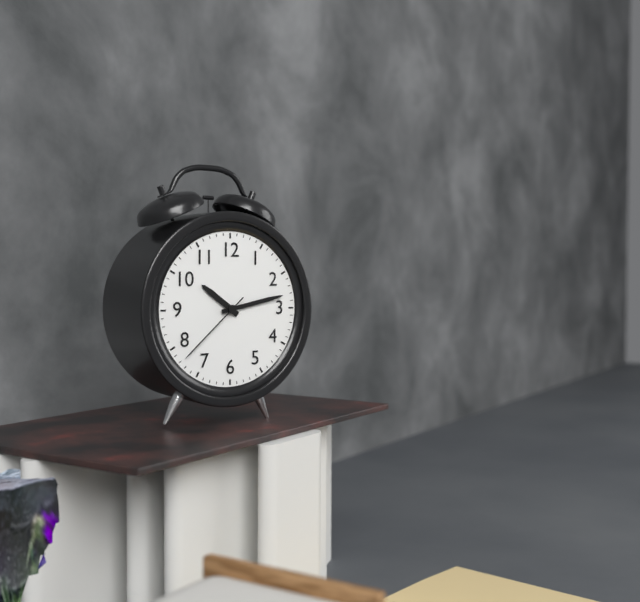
10:13:38
